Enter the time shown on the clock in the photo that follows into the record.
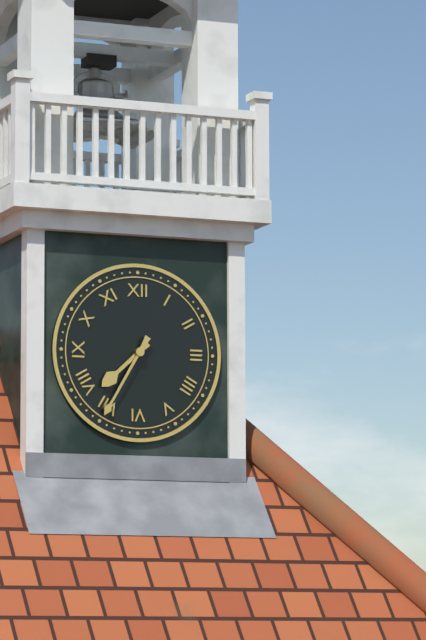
7:35
